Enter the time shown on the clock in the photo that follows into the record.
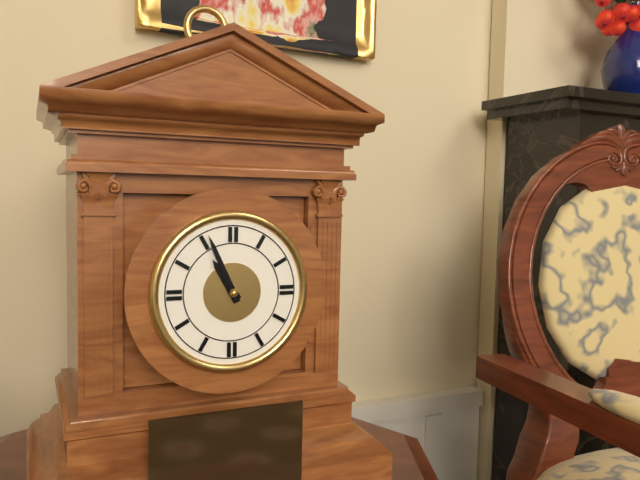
10:56
